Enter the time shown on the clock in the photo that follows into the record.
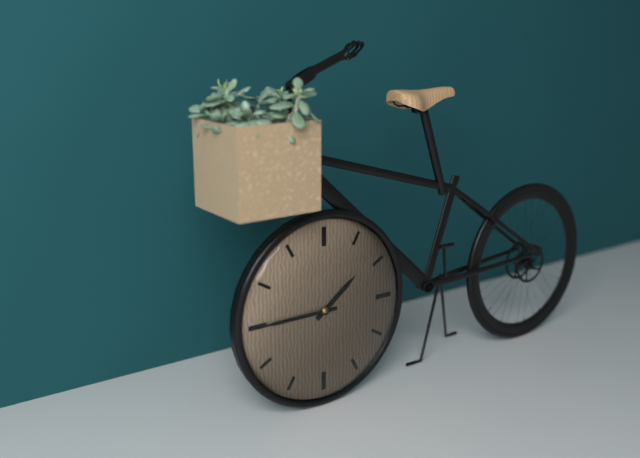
1:45
